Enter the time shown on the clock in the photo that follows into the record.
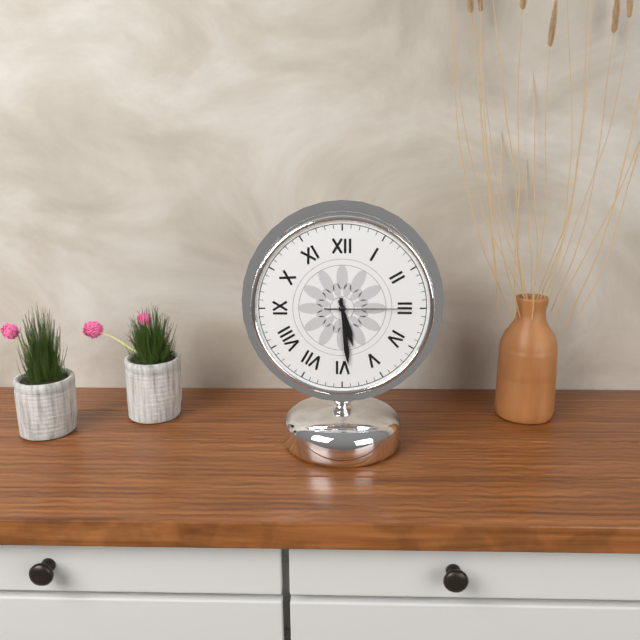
5:29:15
